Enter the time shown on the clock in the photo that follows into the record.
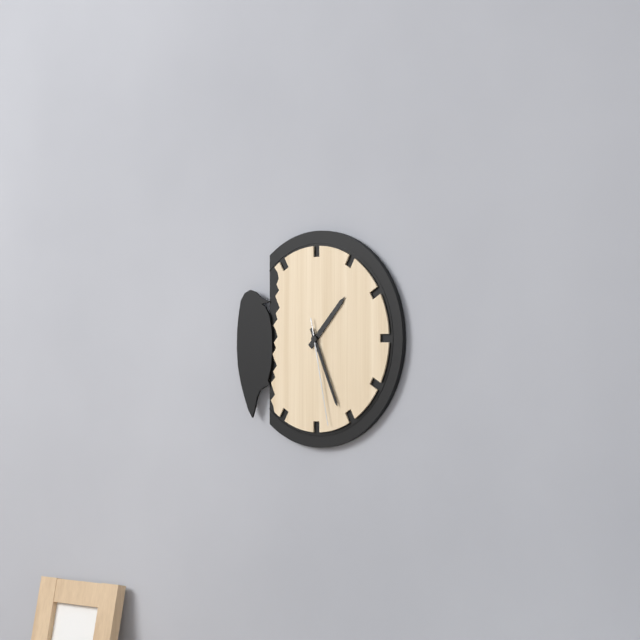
1:26:28
